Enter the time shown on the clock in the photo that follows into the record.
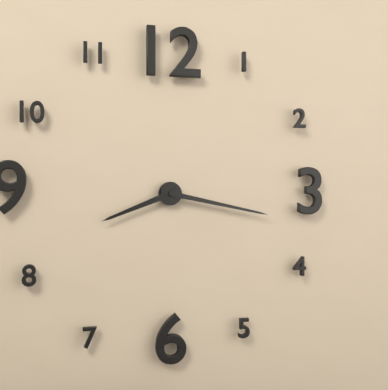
8:17
